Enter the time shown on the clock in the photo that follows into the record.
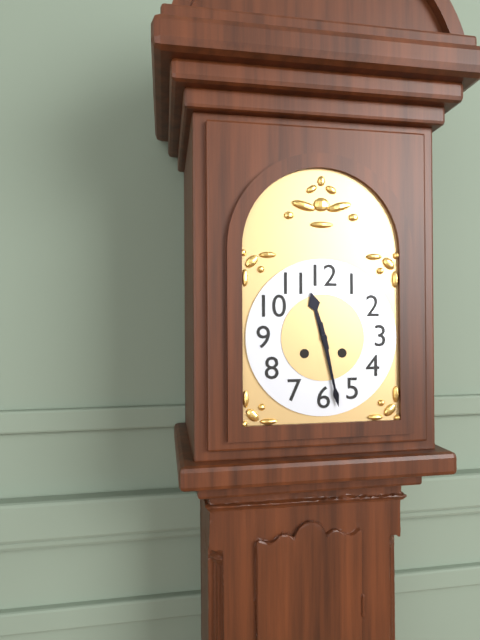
11:28
